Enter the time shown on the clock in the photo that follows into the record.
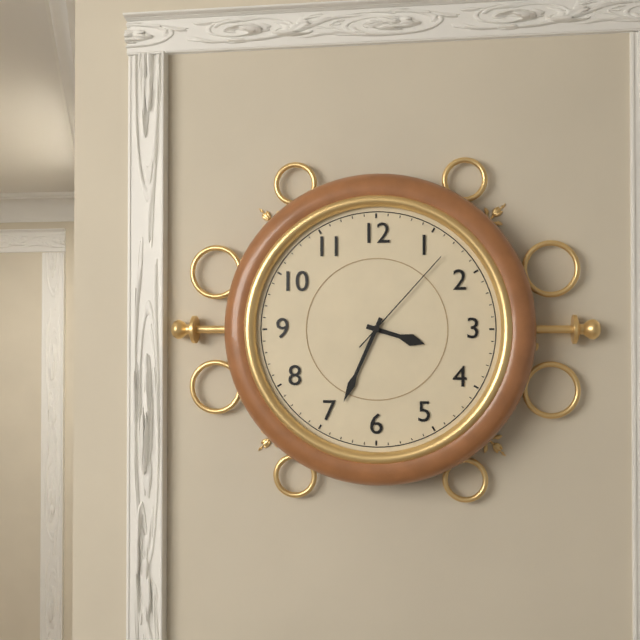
3:34:07
